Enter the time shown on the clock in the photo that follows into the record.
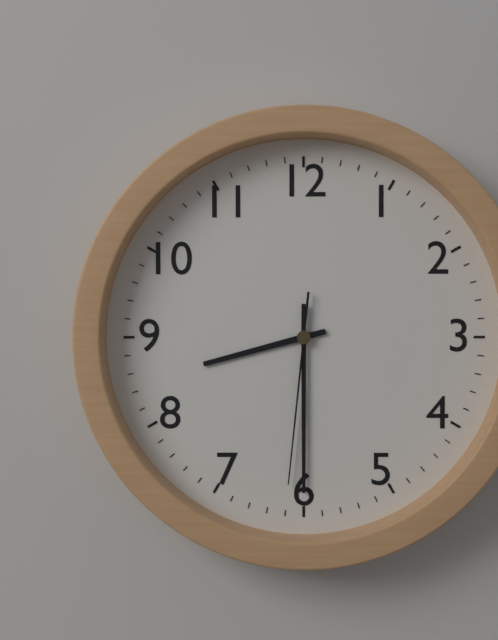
8:30:31
